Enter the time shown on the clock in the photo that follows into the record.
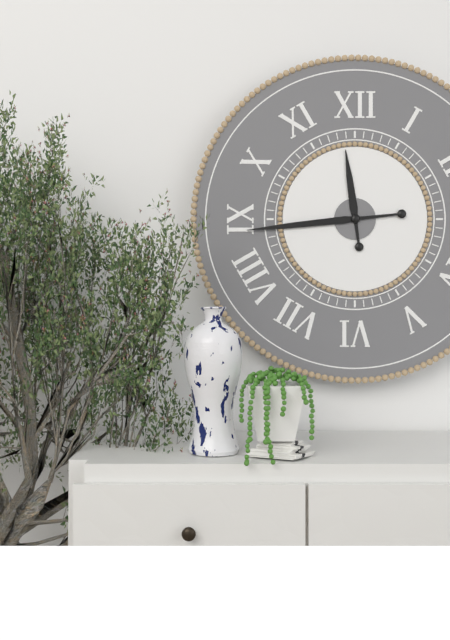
11:44
